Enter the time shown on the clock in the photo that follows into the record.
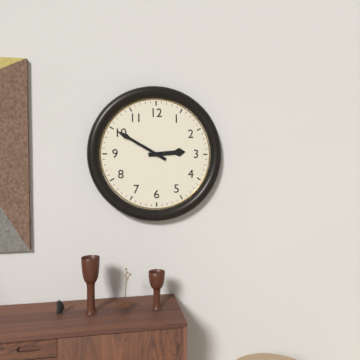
2:50
